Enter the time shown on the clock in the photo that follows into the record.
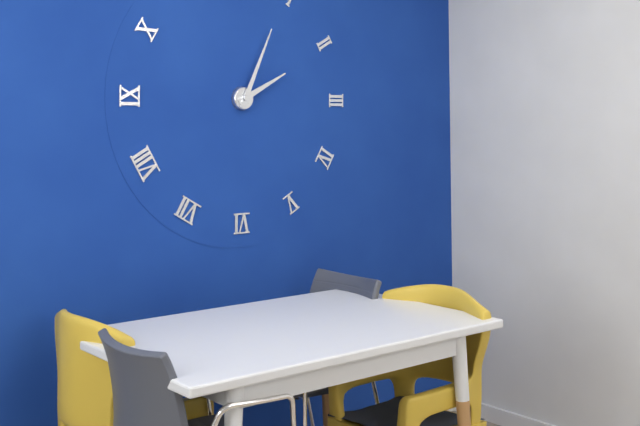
2:04
